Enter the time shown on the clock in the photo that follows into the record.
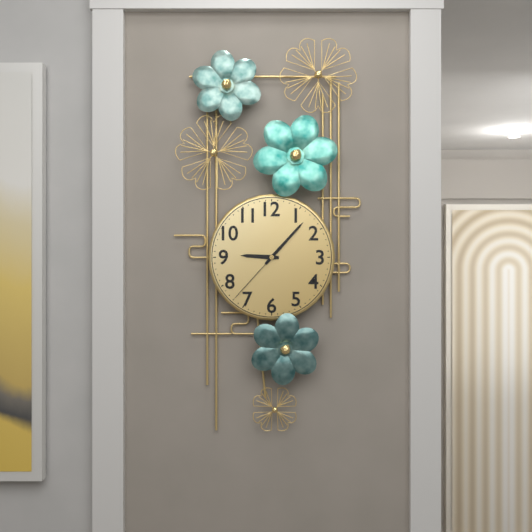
9:07:37
